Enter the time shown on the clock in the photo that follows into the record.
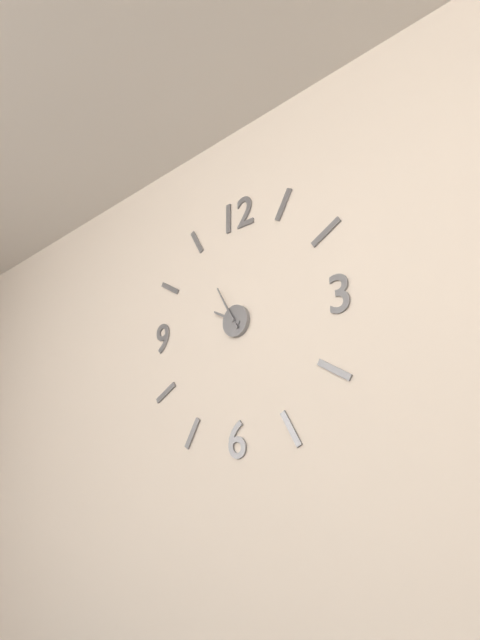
9:55
